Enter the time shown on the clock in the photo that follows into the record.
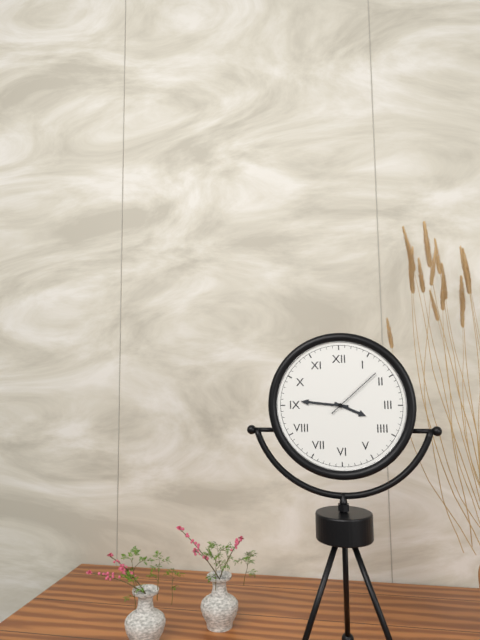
3:46:08
